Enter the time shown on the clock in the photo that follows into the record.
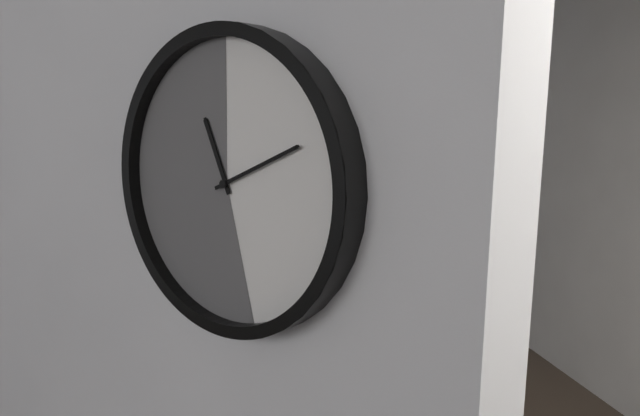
11:11
